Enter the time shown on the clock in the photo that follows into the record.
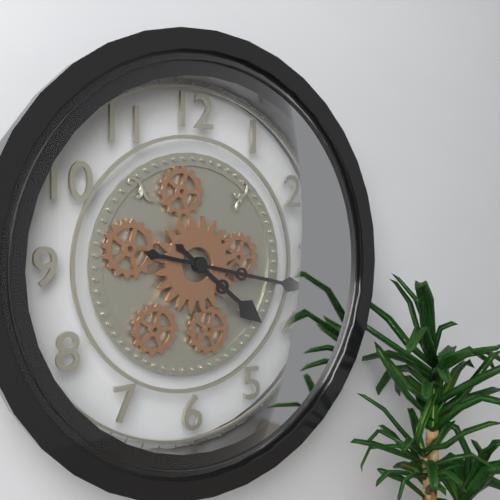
4:17
